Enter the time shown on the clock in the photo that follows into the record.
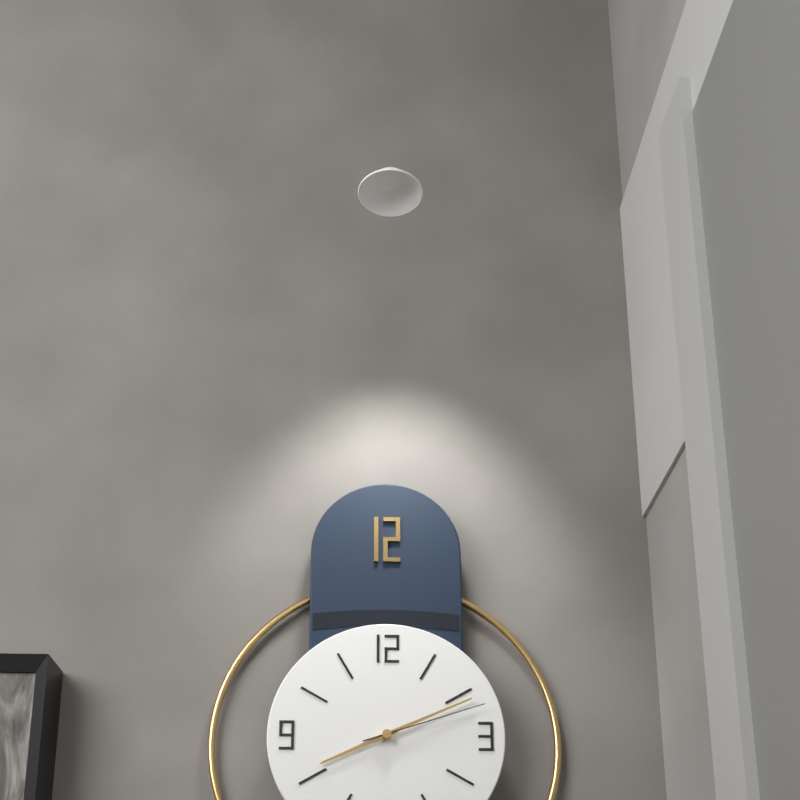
8:11:12
